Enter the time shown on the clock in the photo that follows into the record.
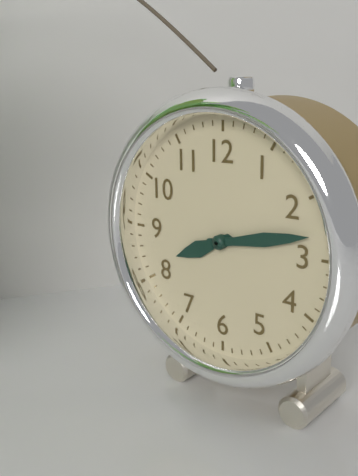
8:13
